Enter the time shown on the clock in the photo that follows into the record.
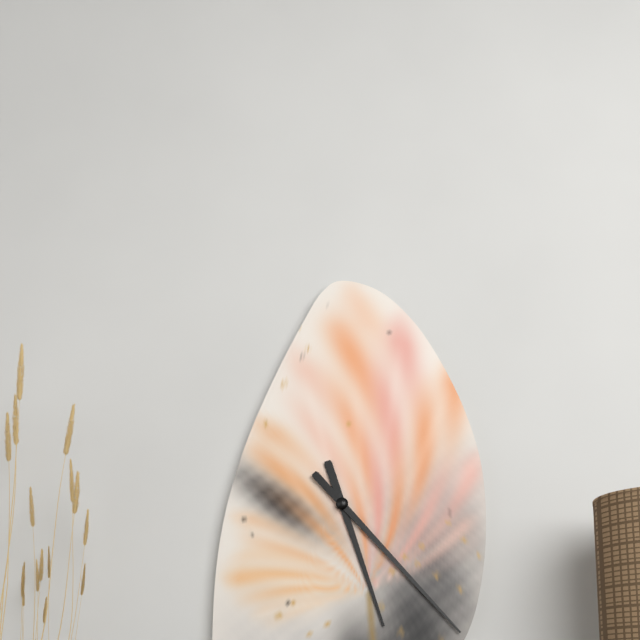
5:23
